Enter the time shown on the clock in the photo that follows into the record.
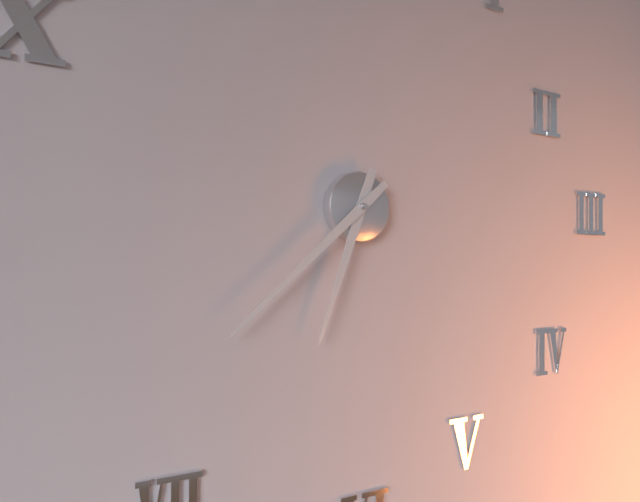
6:38
